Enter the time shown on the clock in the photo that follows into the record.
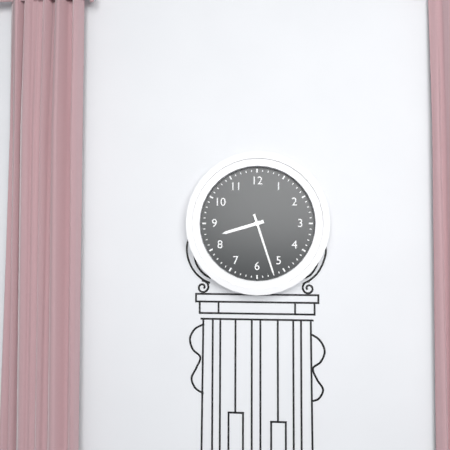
8:27
